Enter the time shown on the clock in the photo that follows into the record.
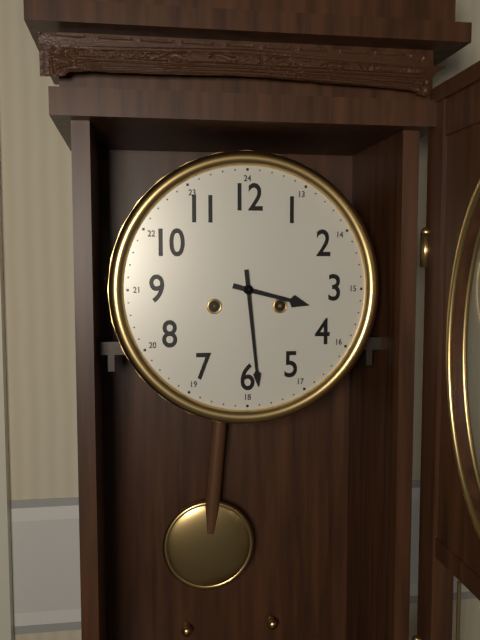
3:29
